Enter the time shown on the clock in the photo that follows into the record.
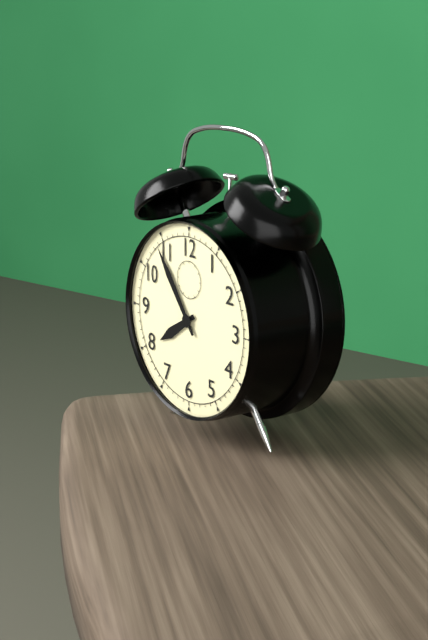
7:54
